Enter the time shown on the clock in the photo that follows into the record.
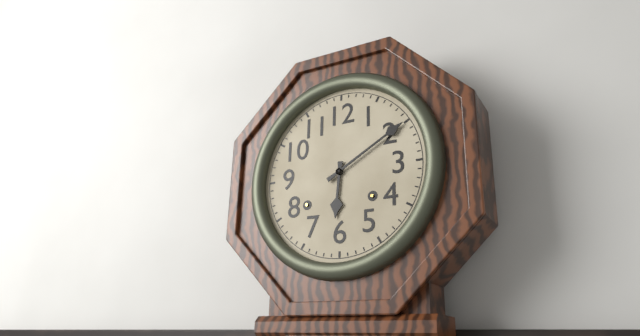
6:10
